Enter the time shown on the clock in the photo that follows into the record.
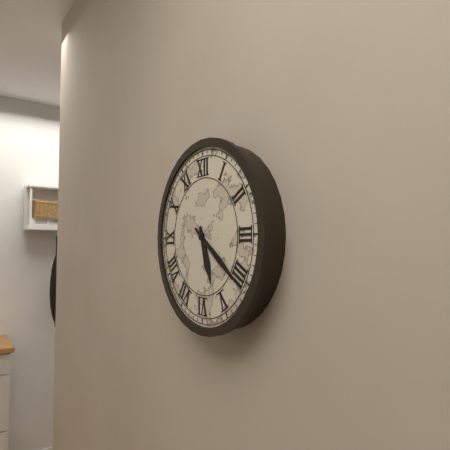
5:21
